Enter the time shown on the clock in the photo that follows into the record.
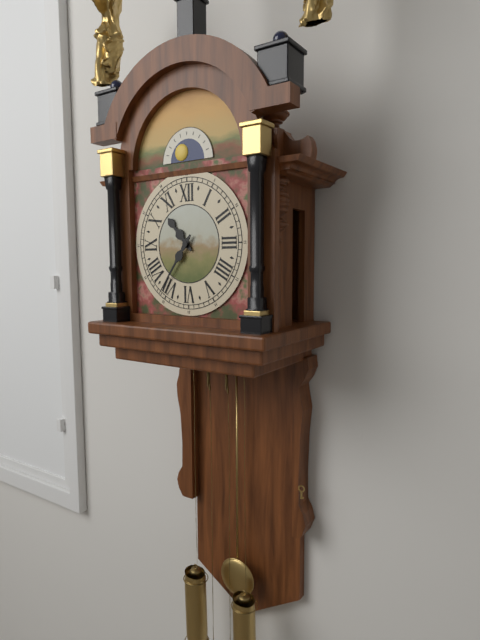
10:36
